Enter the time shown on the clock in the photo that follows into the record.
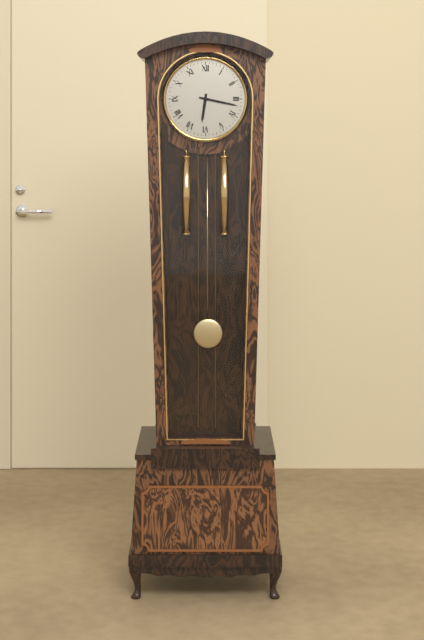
6:17
